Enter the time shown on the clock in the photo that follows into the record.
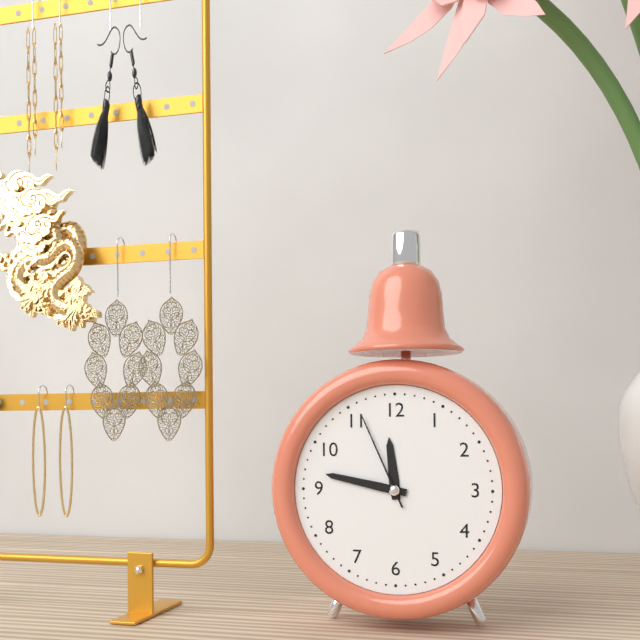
11:47:56
